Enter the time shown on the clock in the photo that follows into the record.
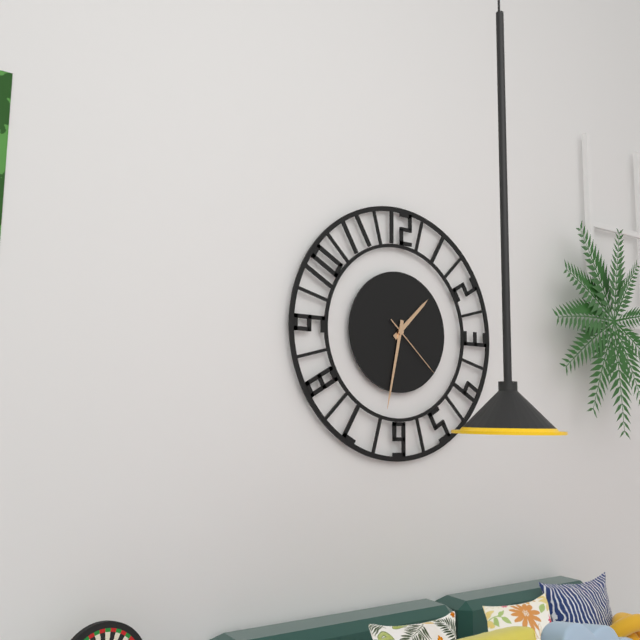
1:32:22
